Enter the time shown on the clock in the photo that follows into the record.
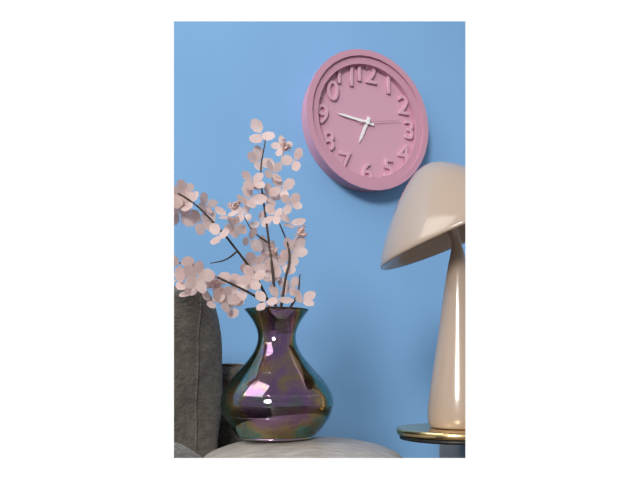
6:46
